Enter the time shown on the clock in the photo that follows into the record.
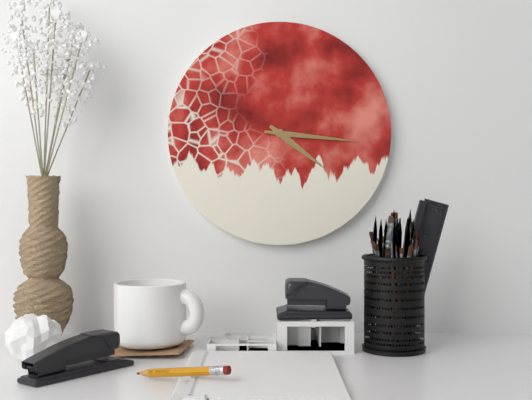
4:16
